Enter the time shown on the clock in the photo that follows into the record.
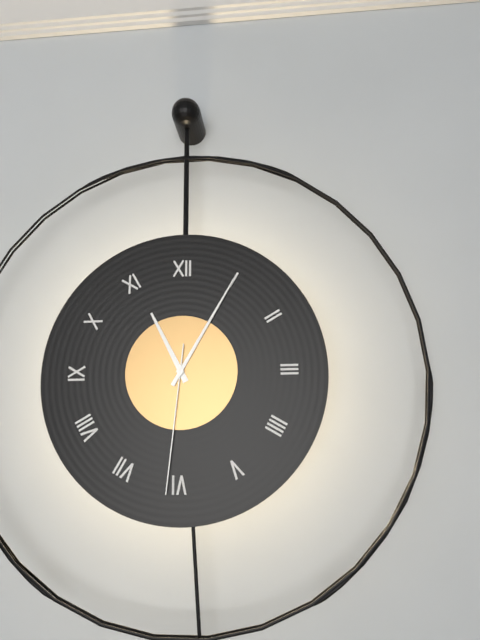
11:05:31
